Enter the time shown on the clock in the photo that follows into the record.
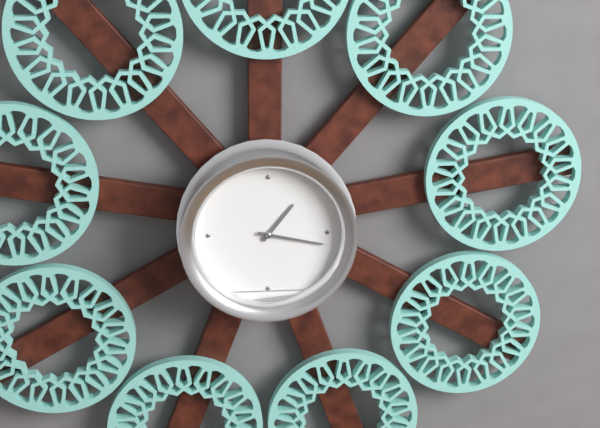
1:17
